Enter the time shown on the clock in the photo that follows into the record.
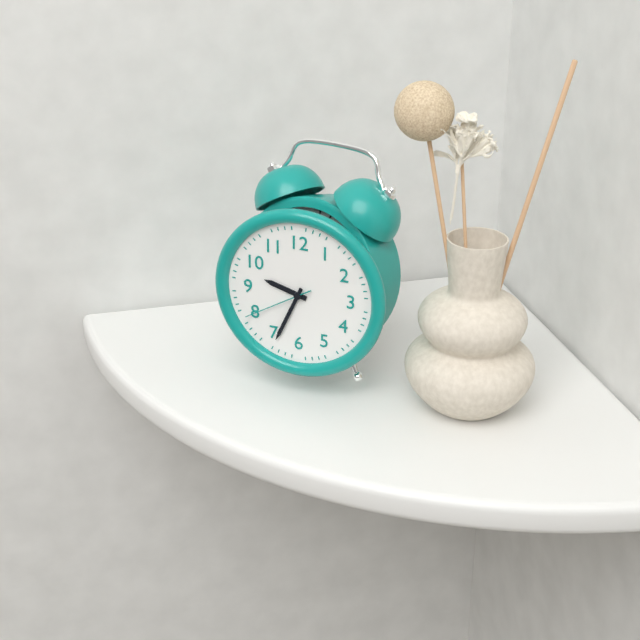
9:34:40
